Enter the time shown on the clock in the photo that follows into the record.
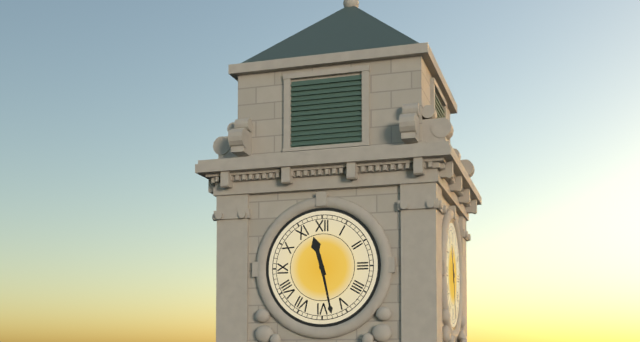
11:28
